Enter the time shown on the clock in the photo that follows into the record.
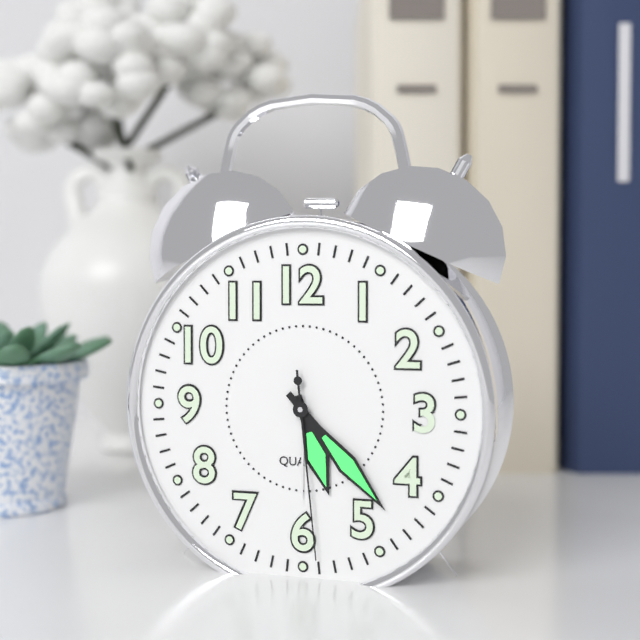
5:23:29
